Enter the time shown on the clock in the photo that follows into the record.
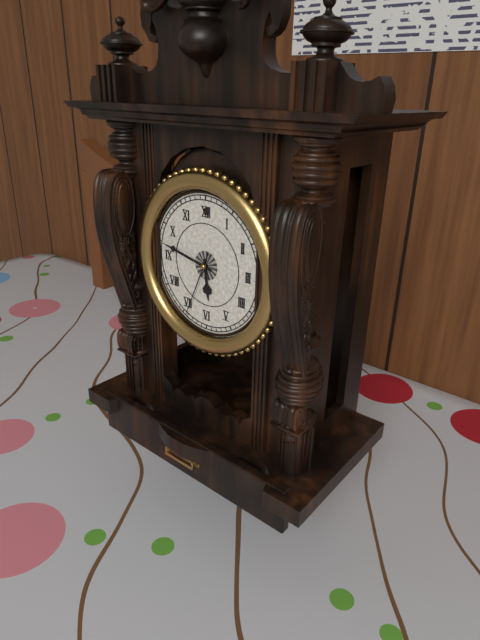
5:47:34
